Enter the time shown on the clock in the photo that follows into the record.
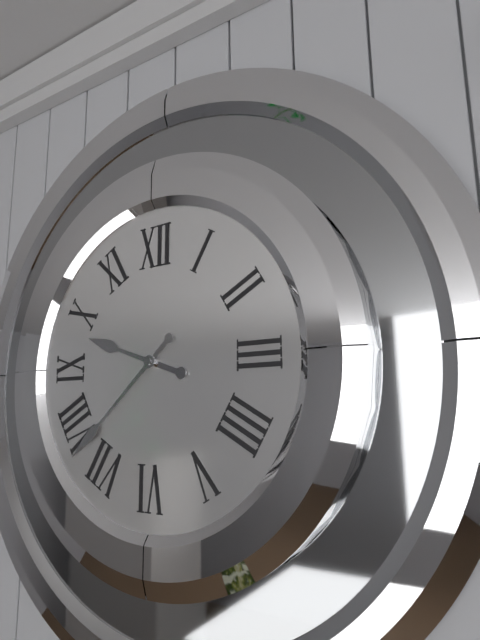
9:38
